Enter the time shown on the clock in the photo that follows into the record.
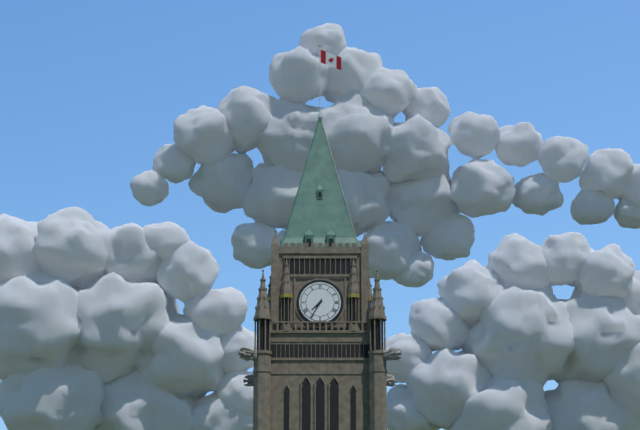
7:35
